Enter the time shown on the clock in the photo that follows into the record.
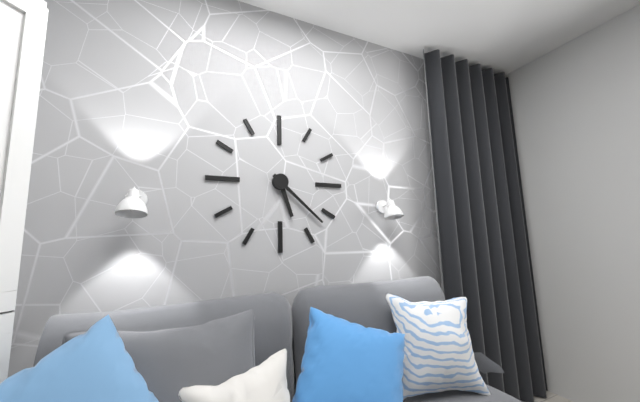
5:22
